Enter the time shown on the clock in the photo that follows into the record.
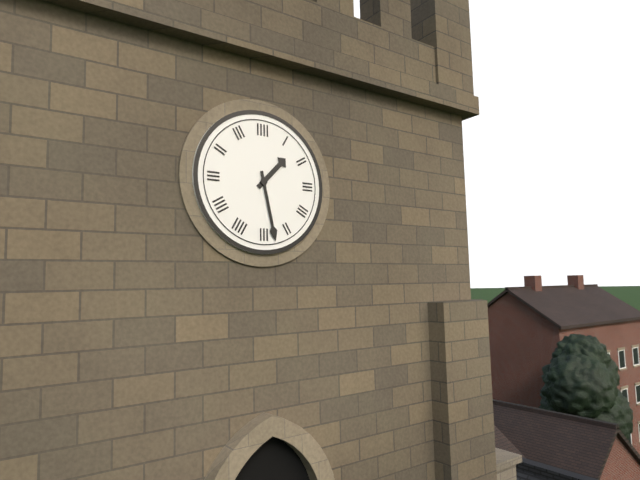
1:28
